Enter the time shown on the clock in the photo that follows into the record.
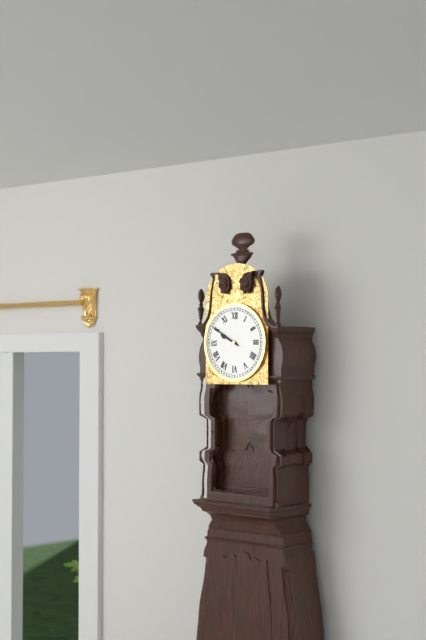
9:50
